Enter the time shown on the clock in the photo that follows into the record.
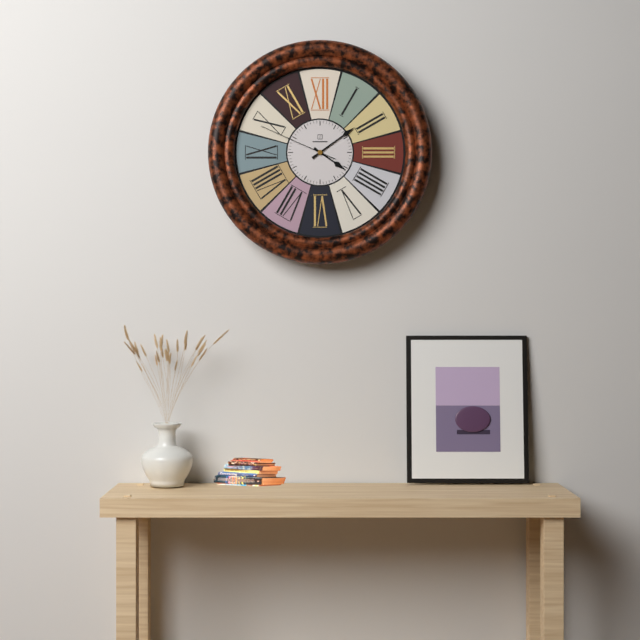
4:09:49
